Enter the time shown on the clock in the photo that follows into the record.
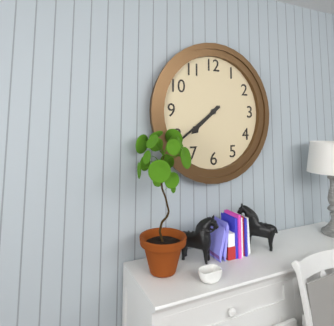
7:39
